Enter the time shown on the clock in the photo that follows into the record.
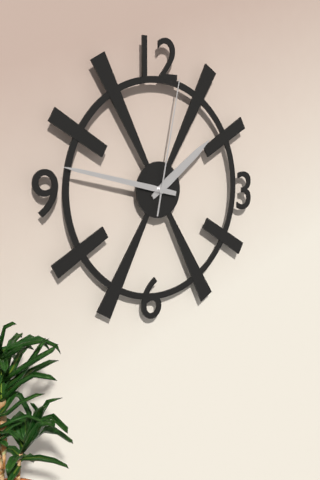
1:47:02
